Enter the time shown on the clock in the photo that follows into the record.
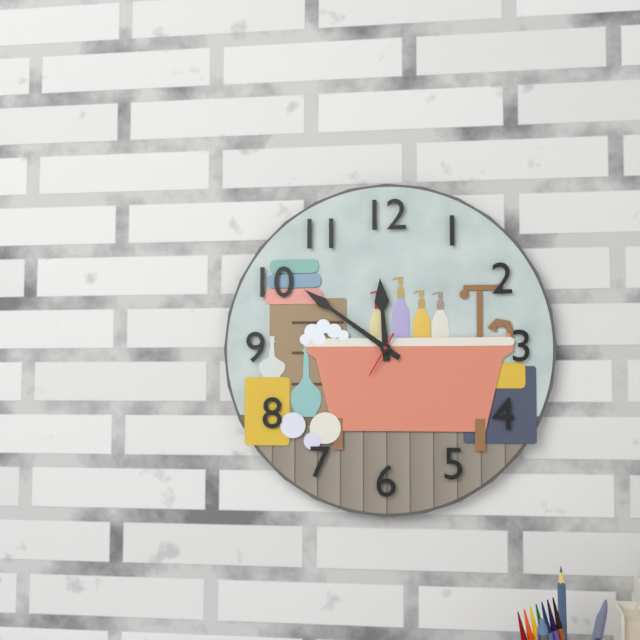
11:51
